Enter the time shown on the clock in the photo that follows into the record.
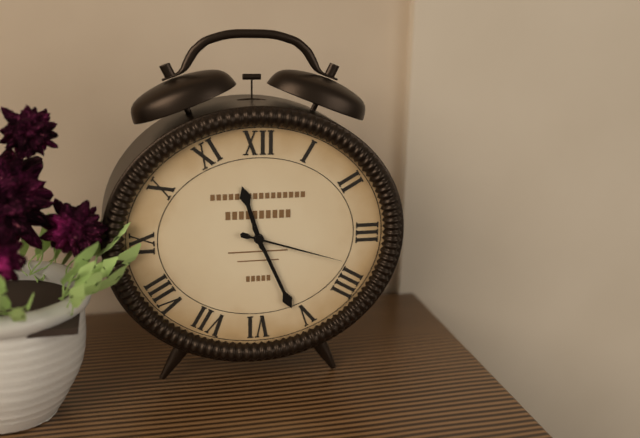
11:26:18
